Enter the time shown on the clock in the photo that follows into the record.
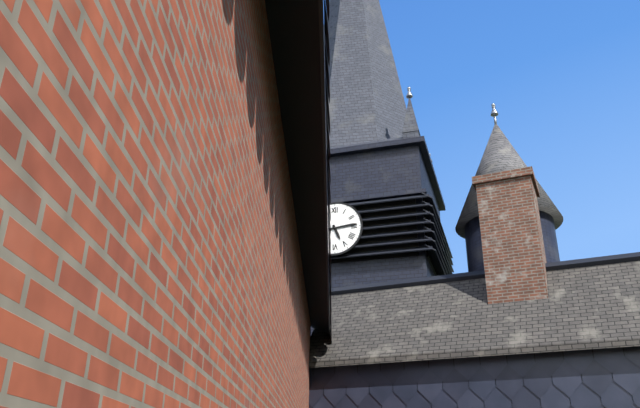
5:14
